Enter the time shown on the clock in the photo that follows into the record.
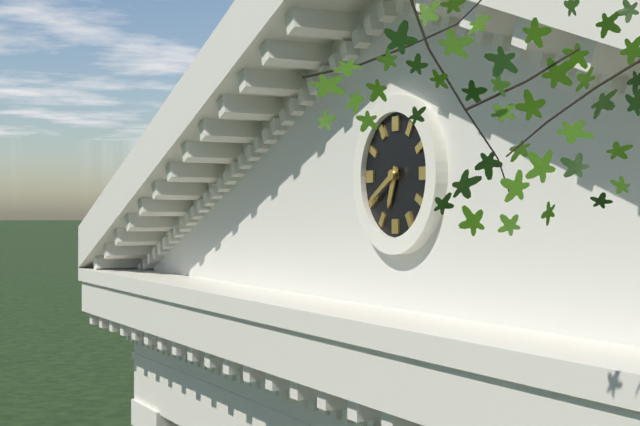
6:40
